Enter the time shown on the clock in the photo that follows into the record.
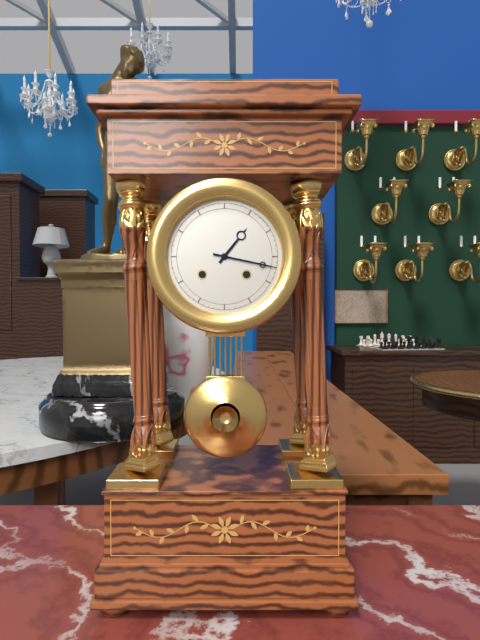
1:17
